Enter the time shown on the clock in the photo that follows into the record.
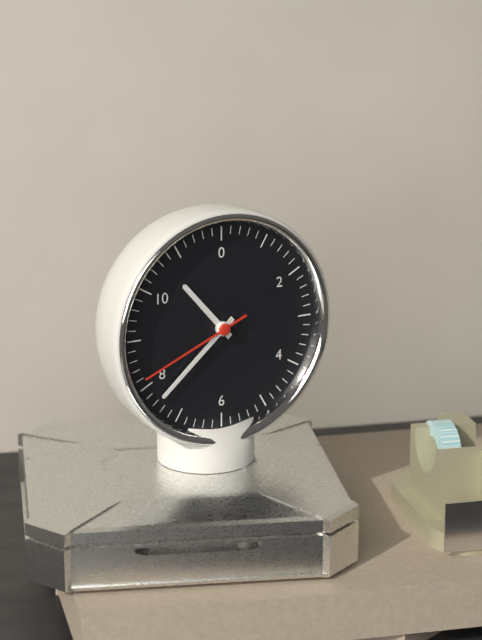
10:38:41
